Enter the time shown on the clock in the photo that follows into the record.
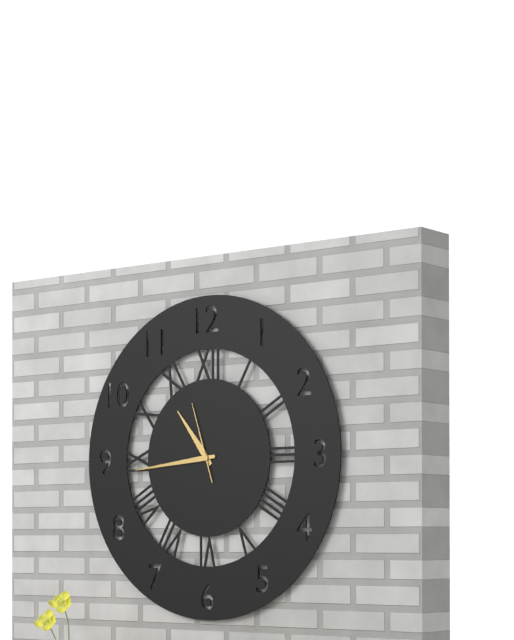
10:44:57
